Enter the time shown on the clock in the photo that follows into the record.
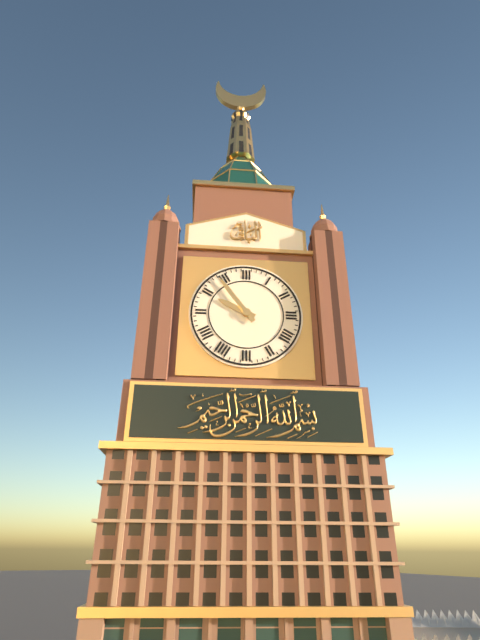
9:54
